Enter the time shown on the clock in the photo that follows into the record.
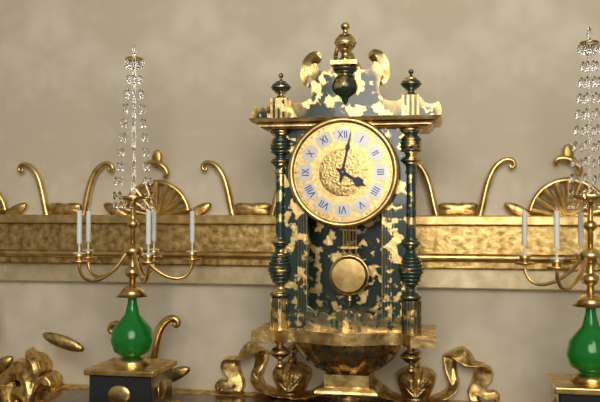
4:02
